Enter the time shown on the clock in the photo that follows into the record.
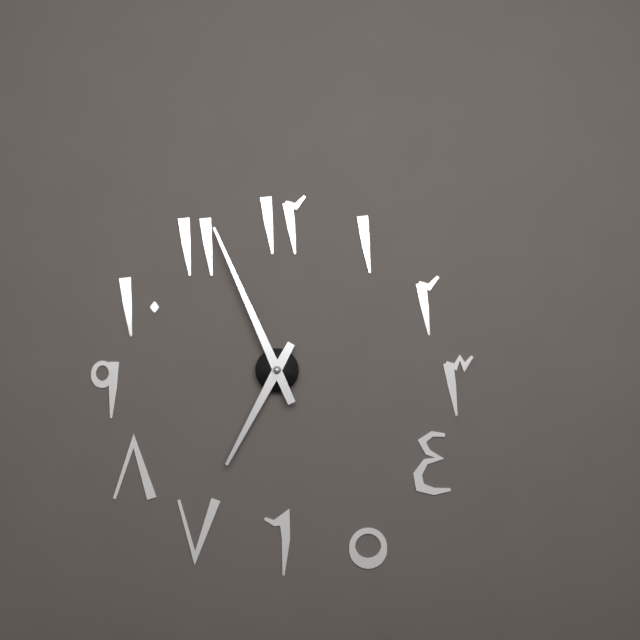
6:56
